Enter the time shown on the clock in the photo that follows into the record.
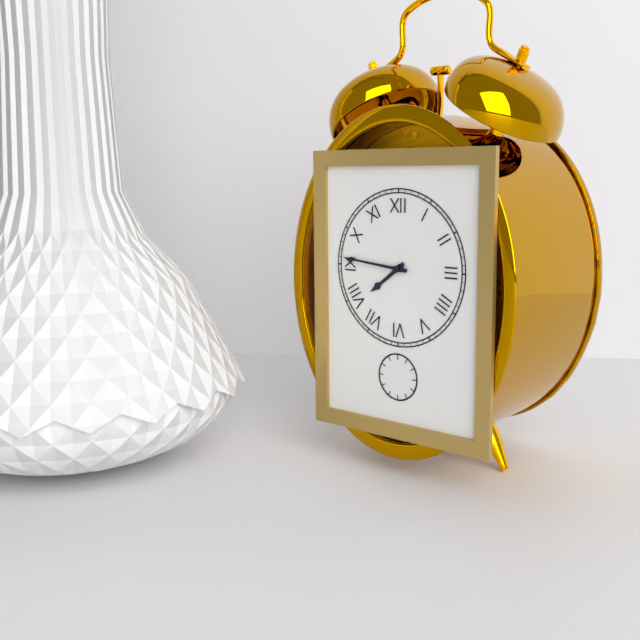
7:46
